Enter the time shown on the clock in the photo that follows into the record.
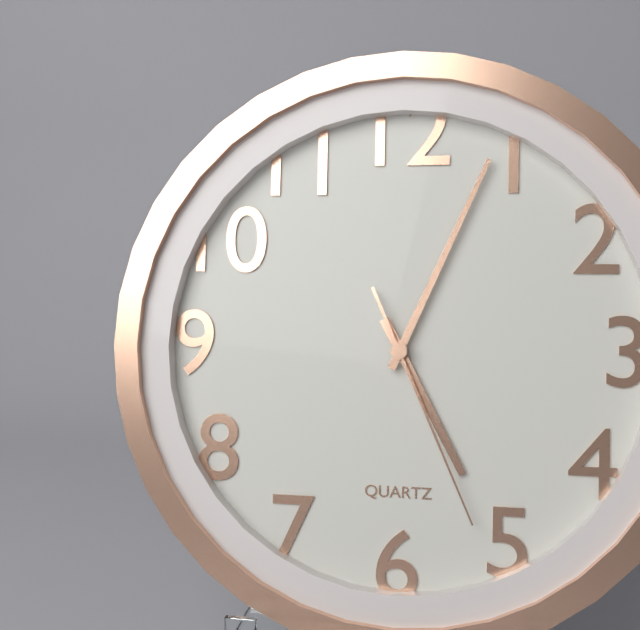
5:04:26
